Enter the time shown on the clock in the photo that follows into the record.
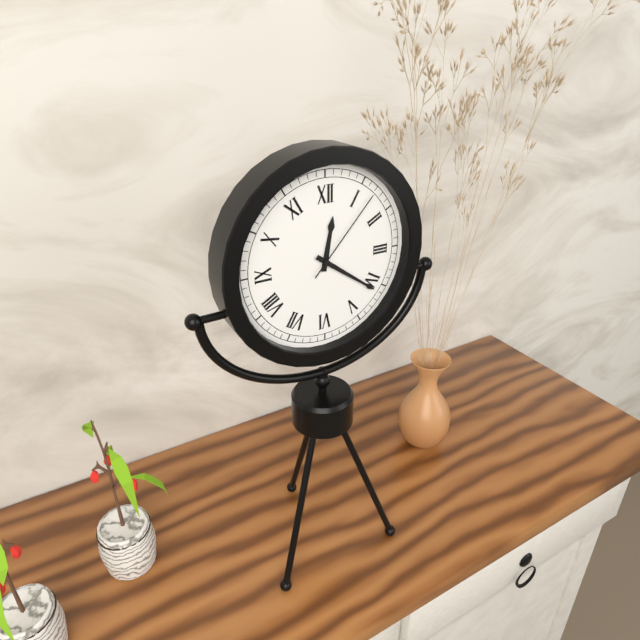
12:21:07
